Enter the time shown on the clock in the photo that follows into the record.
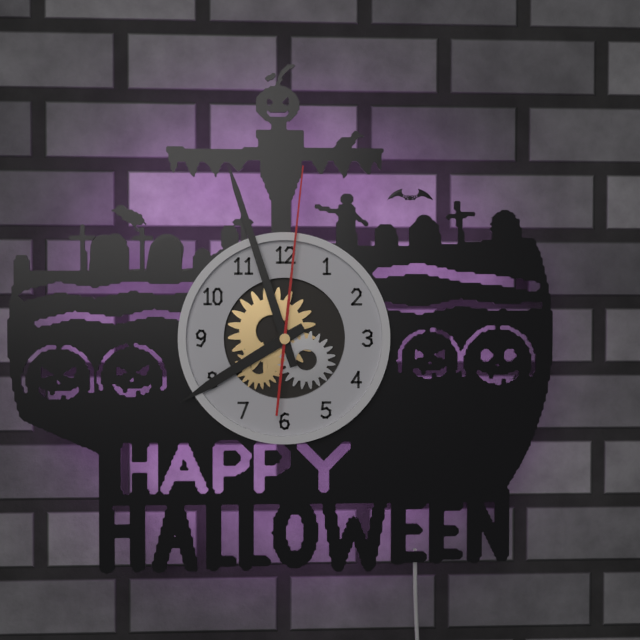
7:57:01
